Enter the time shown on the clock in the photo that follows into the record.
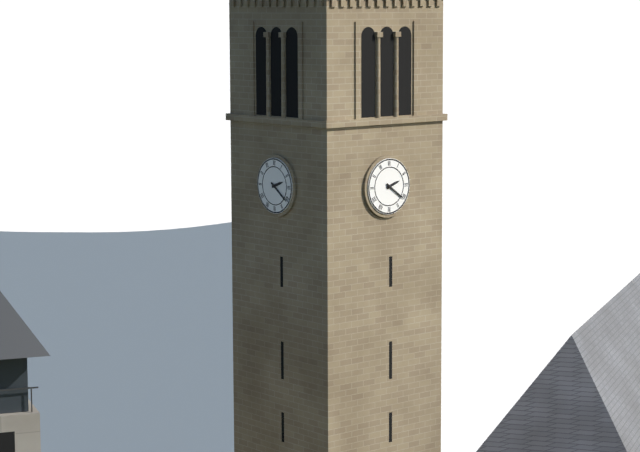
2:21
